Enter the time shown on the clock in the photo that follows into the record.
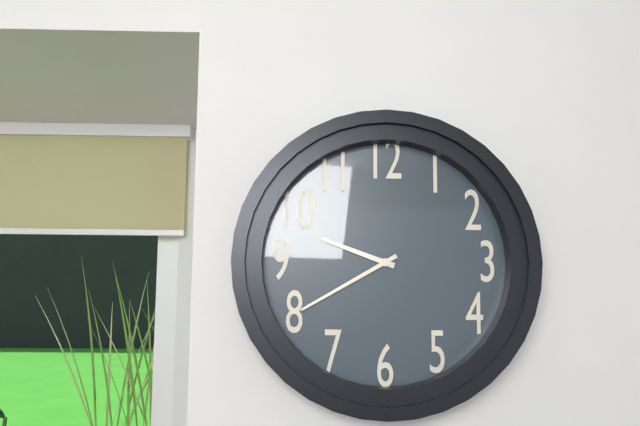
9:40
